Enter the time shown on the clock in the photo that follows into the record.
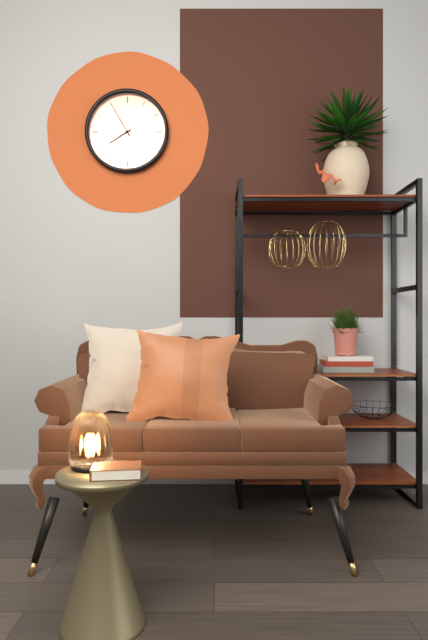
7:55
